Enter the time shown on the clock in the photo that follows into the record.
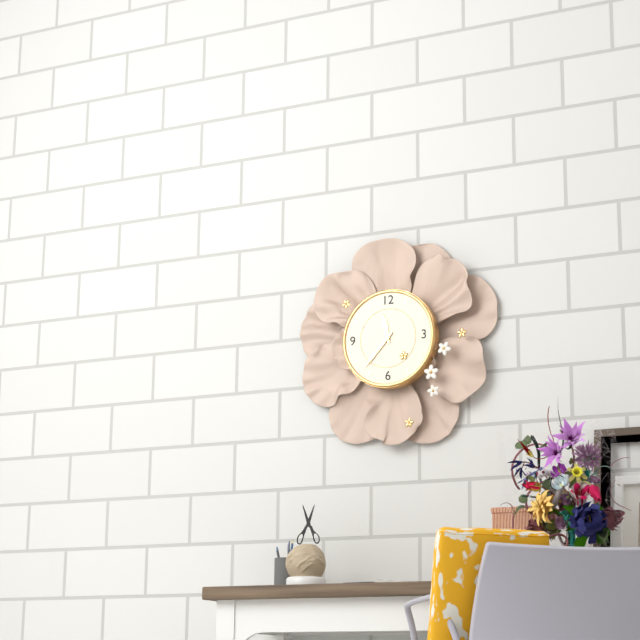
11:37
